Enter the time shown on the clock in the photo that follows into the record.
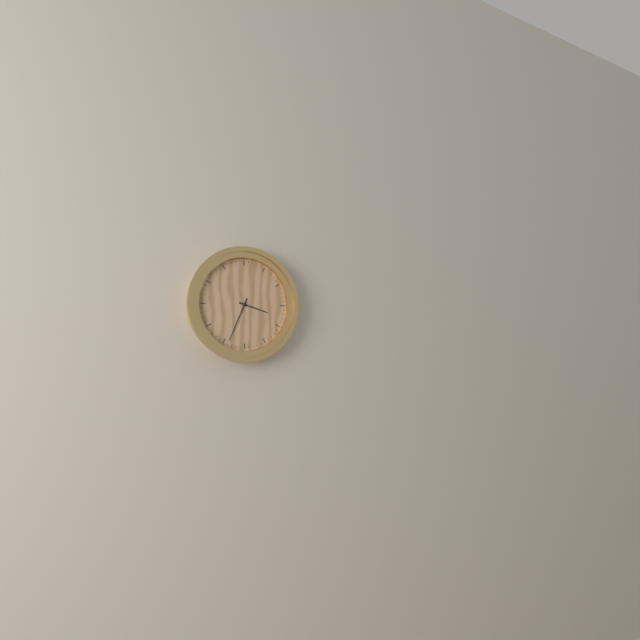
3:34
